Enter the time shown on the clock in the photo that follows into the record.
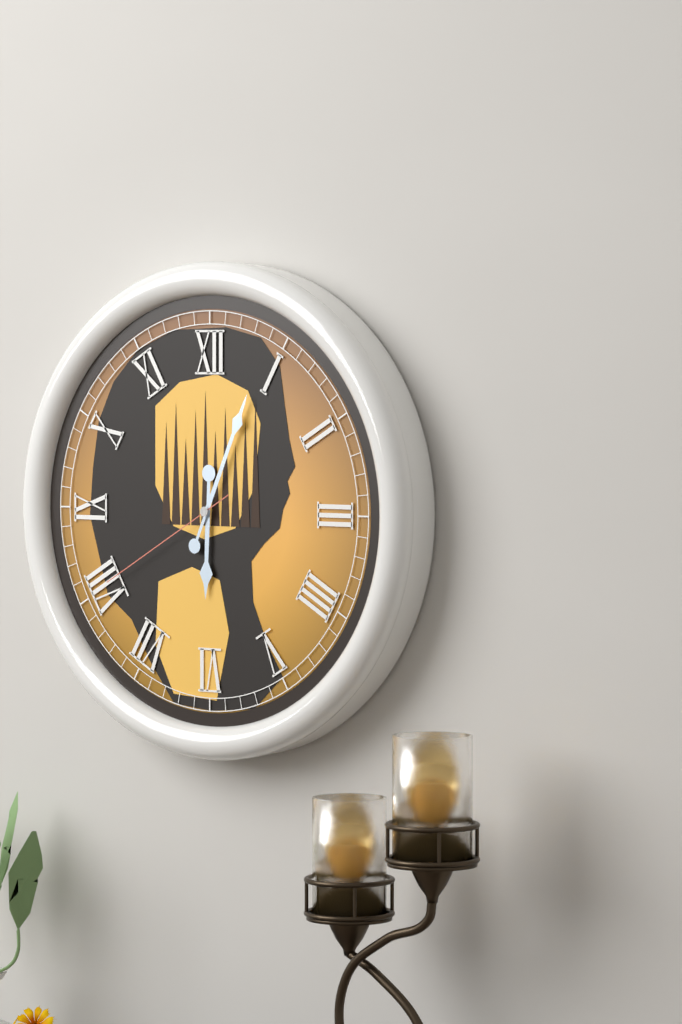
6:04:40
